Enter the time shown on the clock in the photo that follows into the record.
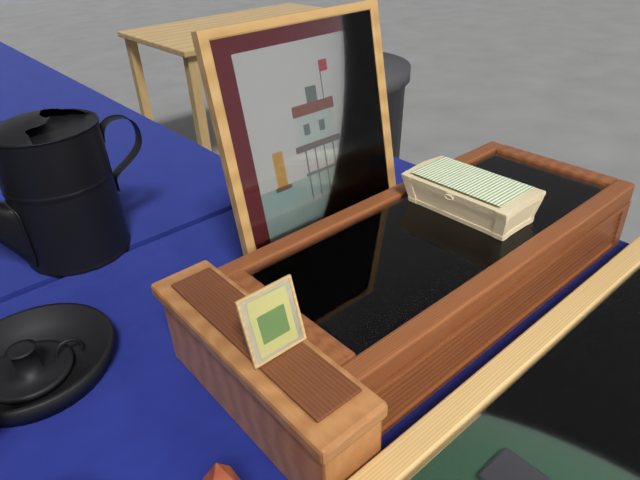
6:52
